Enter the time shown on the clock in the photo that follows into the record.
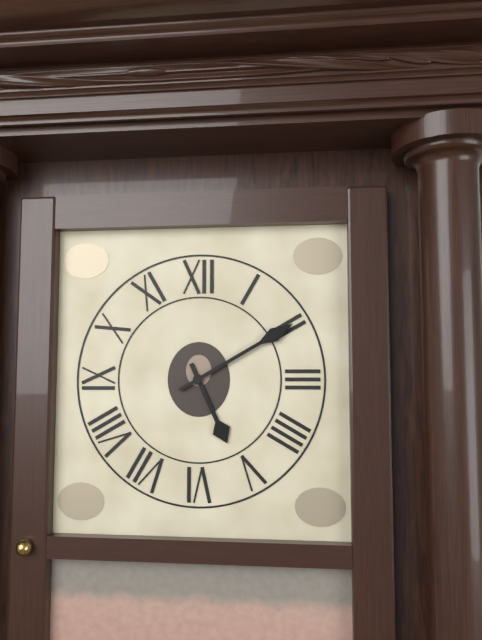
5:10
